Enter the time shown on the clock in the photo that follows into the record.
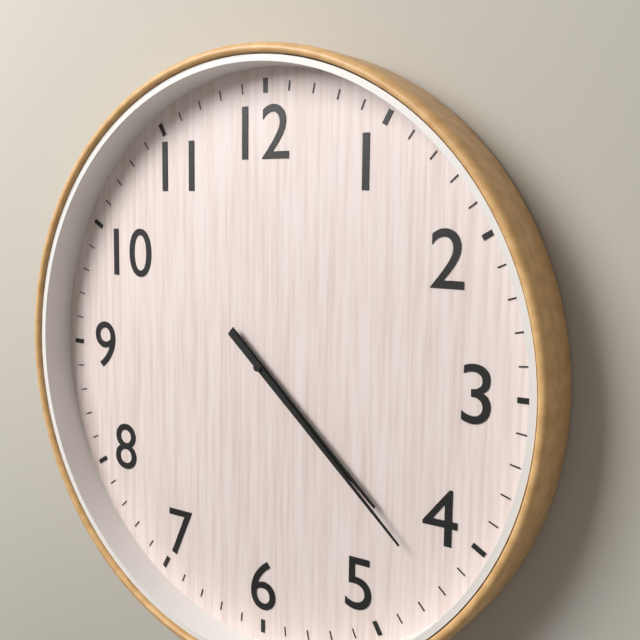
4:22
